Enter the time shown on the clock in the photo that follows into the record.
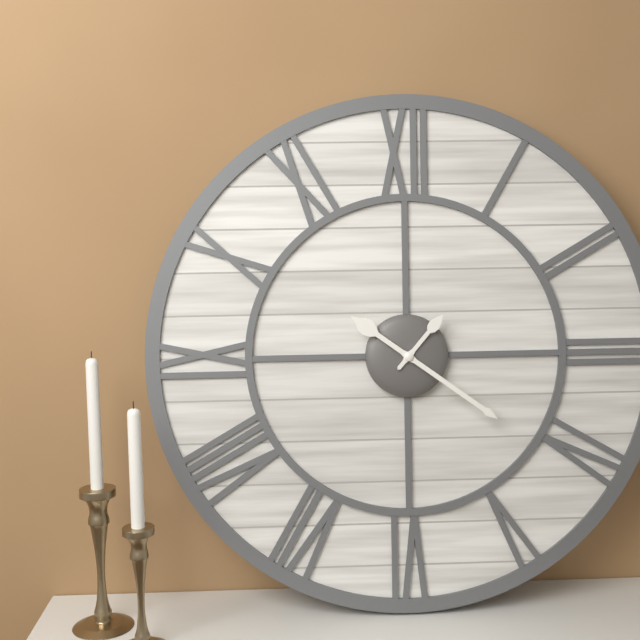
1:21
